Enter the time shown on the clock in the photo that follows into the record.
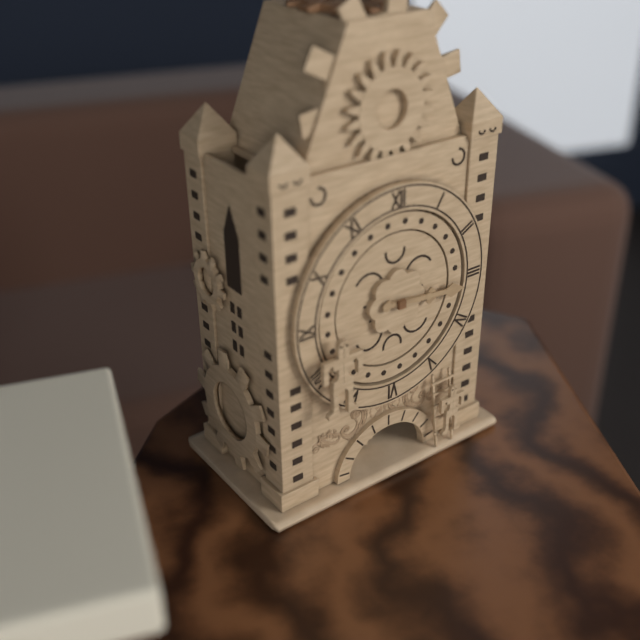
3:16
